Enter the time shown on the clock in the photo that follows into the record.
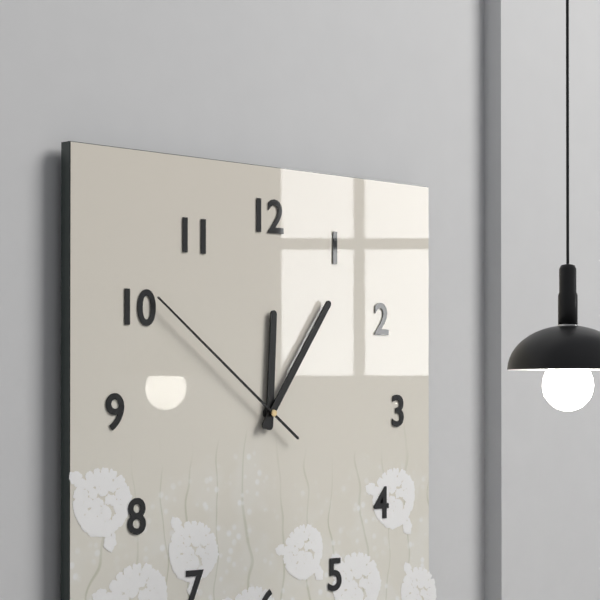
12:06:51
